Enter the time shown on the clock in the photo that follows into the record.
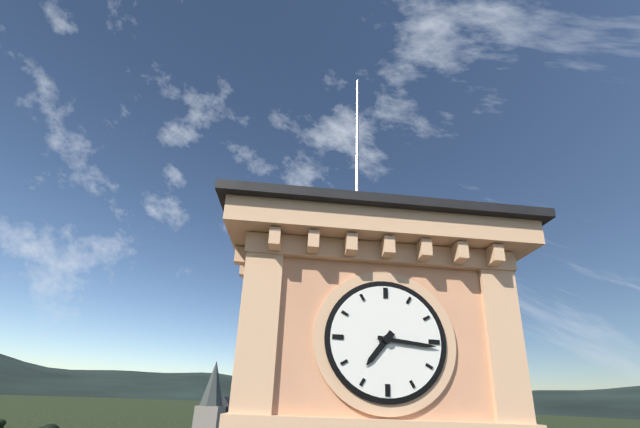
7:16
